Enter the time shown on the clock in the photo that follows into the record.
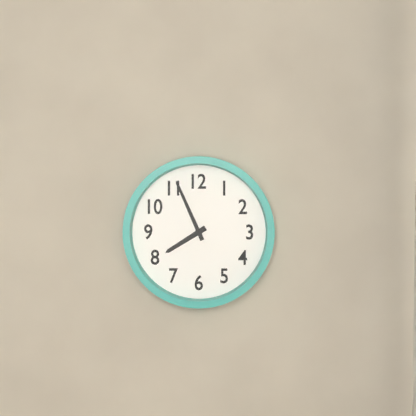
7:56
